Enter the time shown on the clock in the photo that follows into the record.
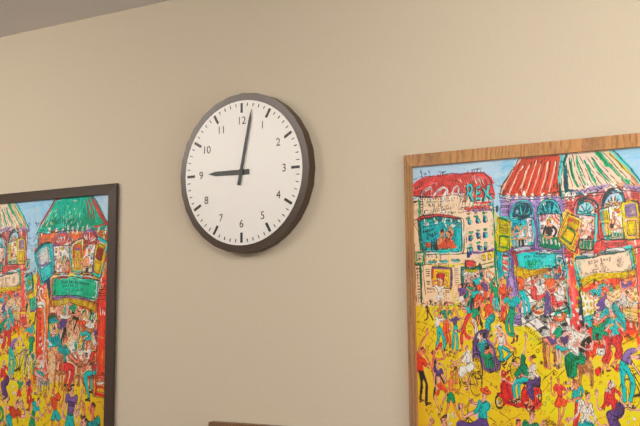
9:02
